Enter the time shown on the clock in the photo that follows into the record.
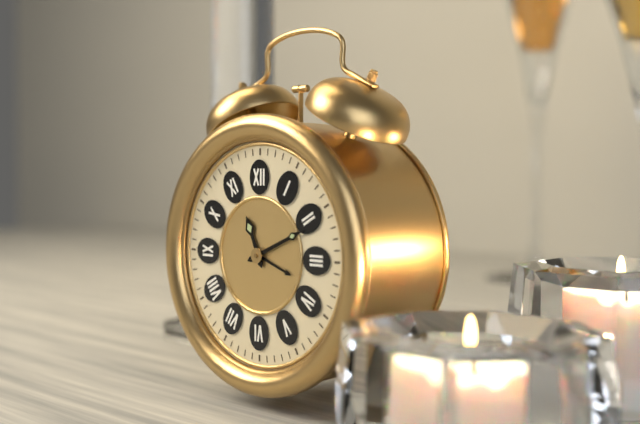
11:11
